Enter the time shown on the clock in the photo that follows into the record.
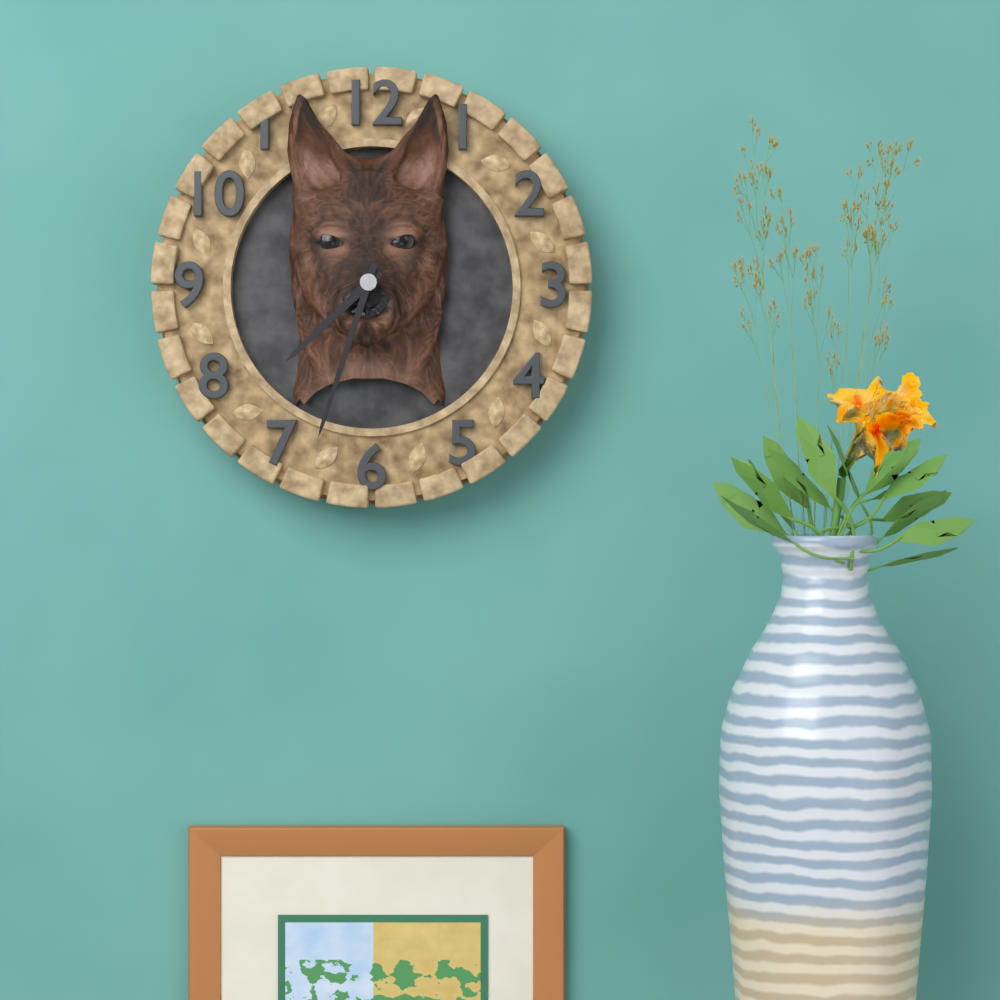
7:33
